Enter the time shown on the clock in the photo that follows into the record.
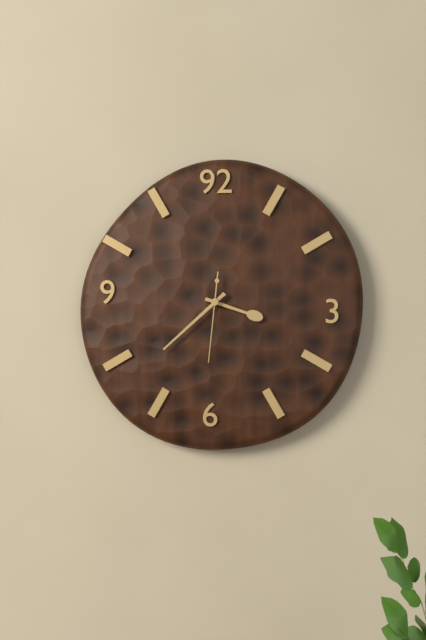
3:38:31
